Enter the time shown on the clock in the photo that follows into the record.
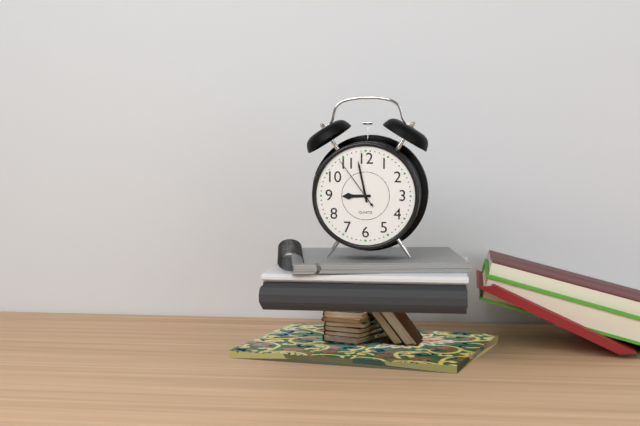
8:58:54
